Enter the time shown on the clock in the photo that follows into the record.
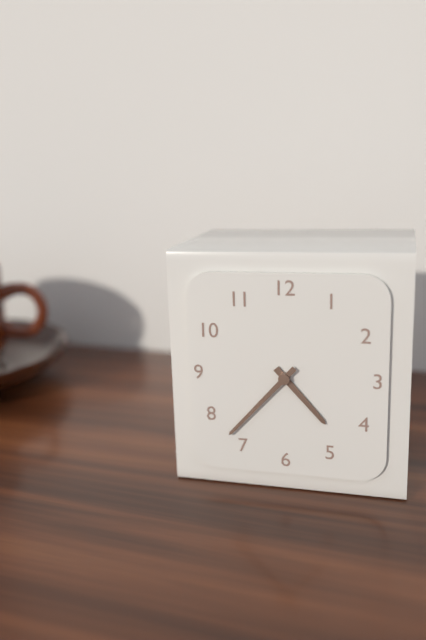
4:37
